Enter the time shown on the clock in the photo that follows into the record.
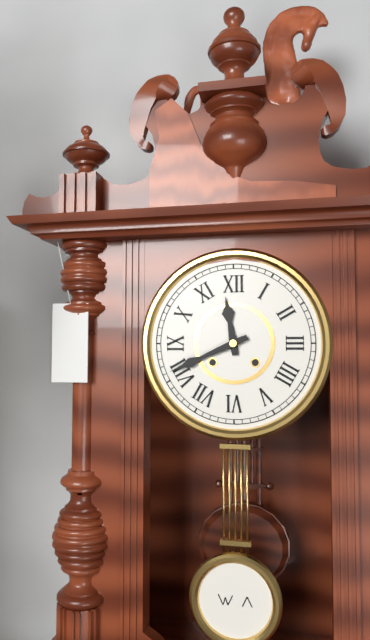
11:41
